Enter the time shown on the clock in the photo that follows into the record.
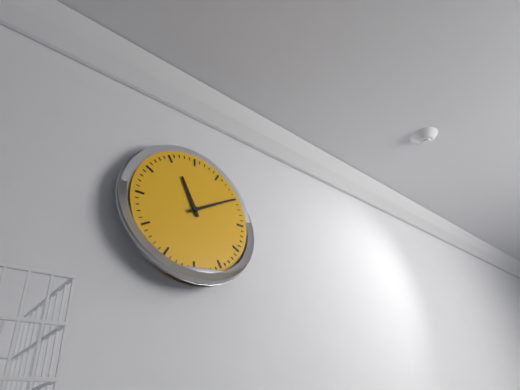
11:10
